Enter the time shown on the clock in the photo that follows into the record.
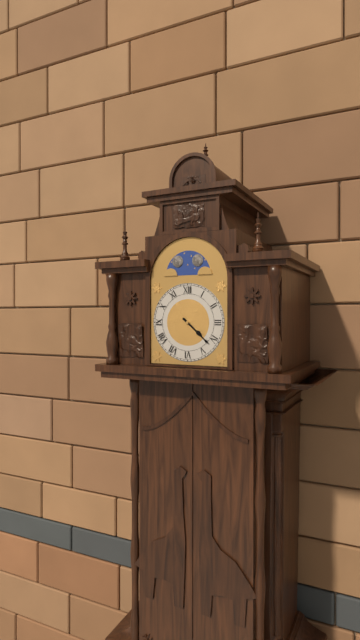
4:22
